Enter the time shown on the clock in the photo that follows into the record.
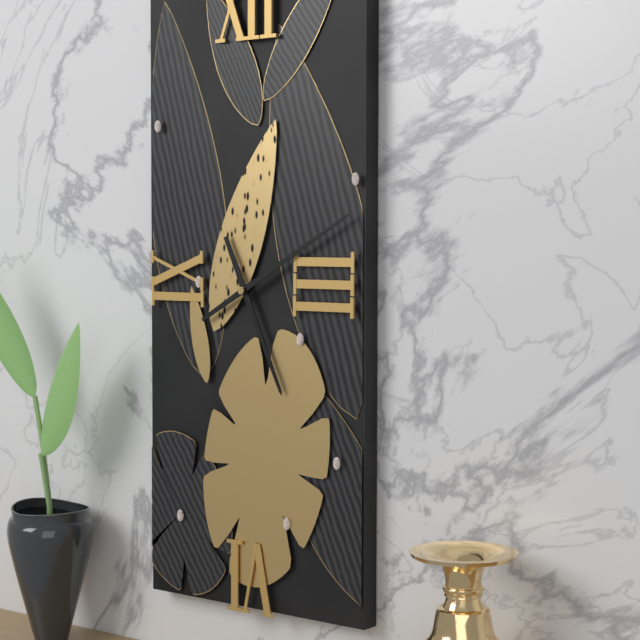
5:10
